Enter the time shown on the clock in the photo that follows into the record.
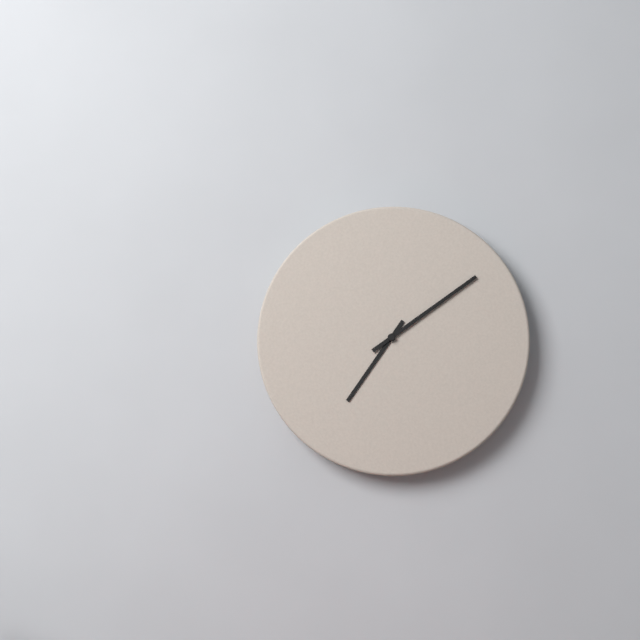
7:09
